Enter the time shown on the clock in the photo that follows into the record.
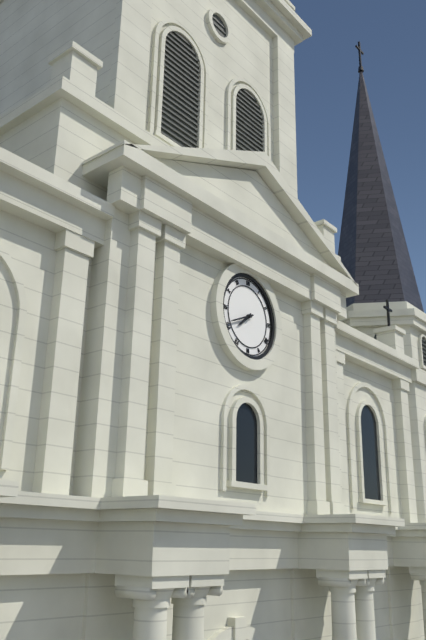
7:41
